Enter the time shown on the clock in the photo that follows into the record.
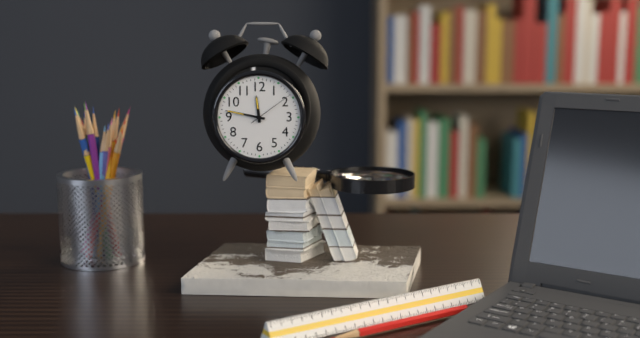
11:47
